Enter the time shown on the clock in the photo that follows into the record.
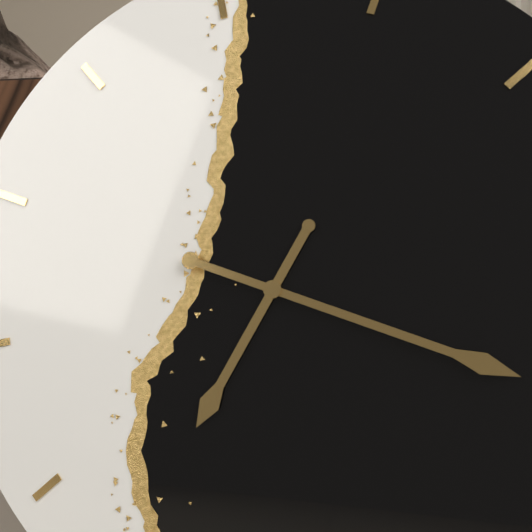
7:20
